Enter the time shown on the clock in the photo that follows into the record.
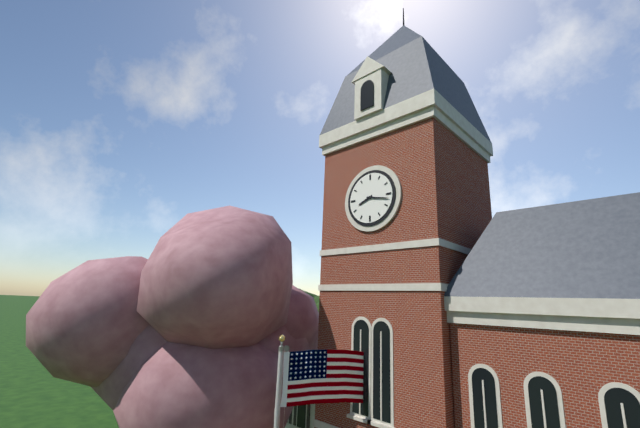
8:17
